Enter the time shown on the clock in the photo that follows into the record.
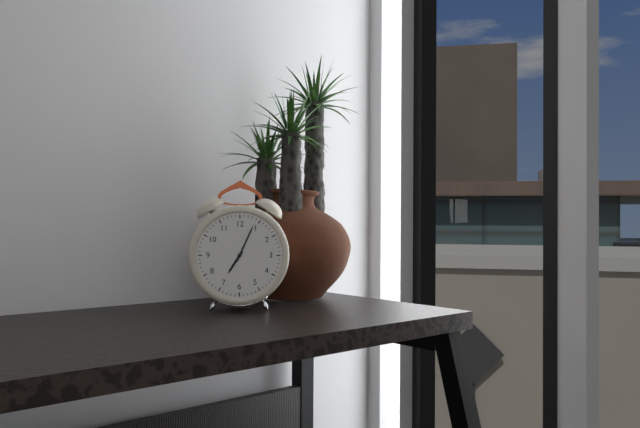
7:04
